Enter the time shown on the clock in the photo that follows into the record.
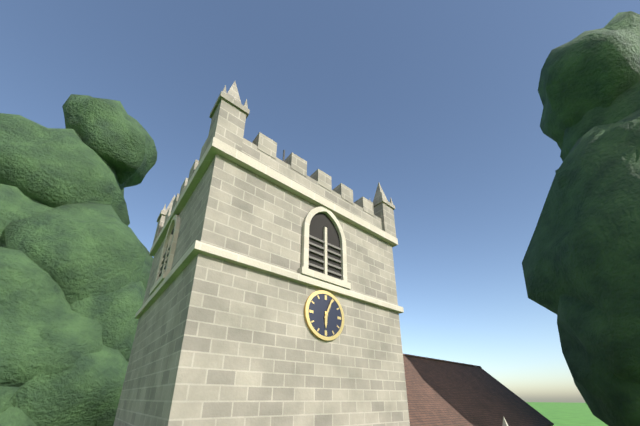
6:04
